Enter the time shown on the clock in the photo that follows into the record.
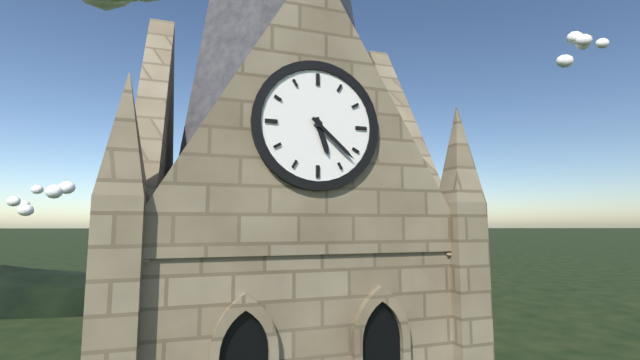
5:22
